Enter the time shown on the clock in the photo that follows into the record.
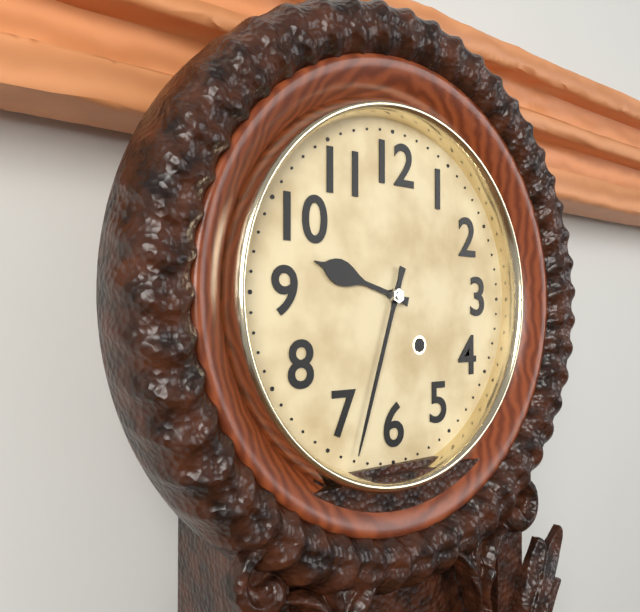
9:33
